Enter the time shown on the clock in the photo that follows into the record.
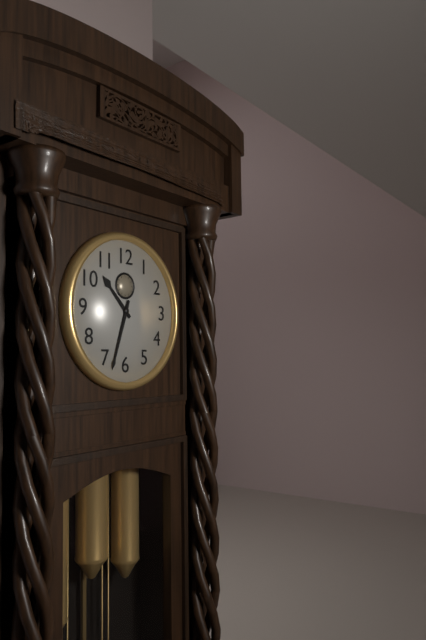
10:33
